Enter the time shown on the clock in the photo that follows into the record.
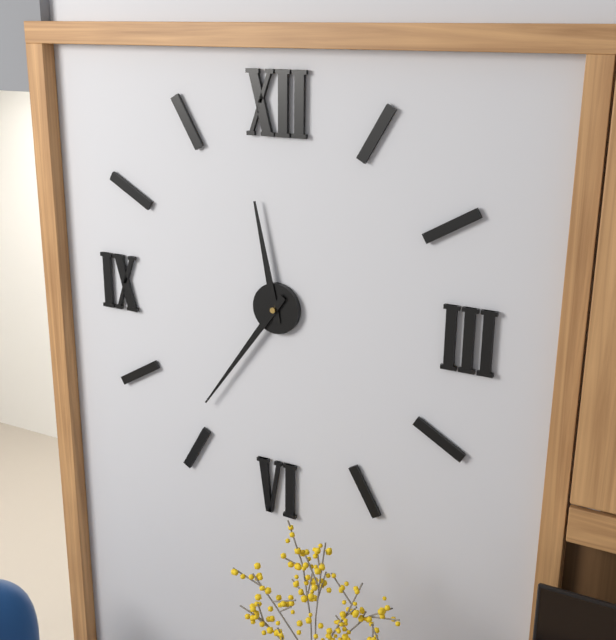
11:36
